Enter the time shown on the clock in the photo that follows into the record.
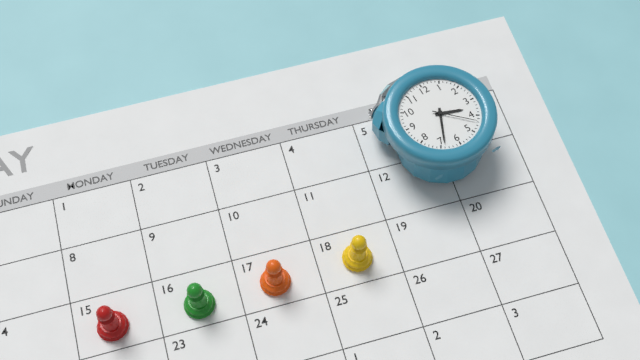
3:34
